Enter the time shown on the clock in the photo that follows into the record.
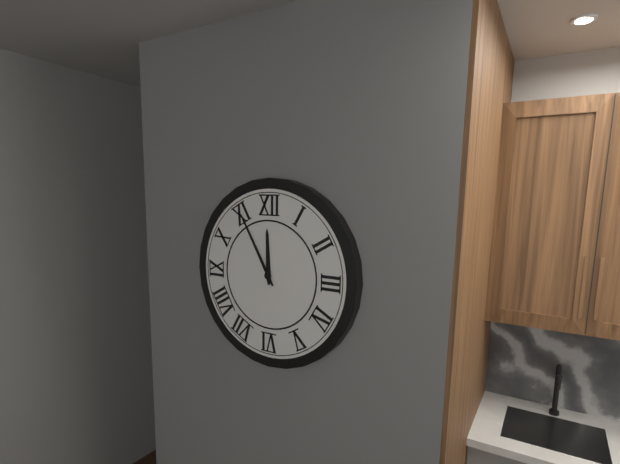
11:55
